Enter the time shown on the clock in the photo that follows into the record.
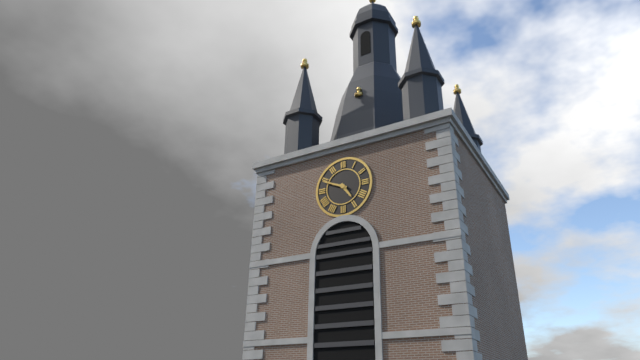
4:49
